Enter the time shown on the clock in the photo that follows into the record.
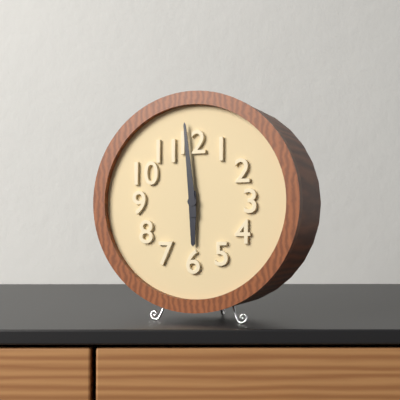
5:59
